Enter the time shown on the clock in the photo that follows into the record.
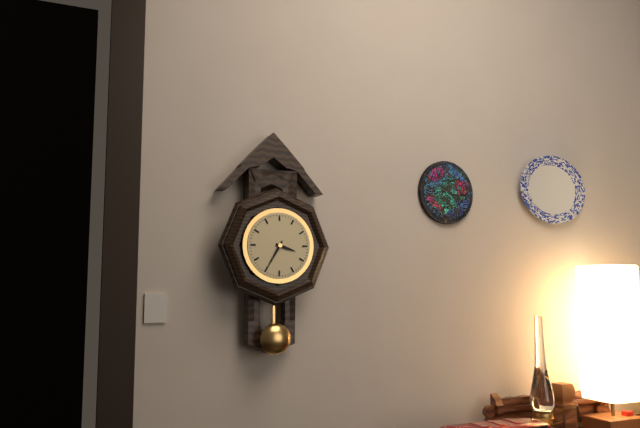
3:35
